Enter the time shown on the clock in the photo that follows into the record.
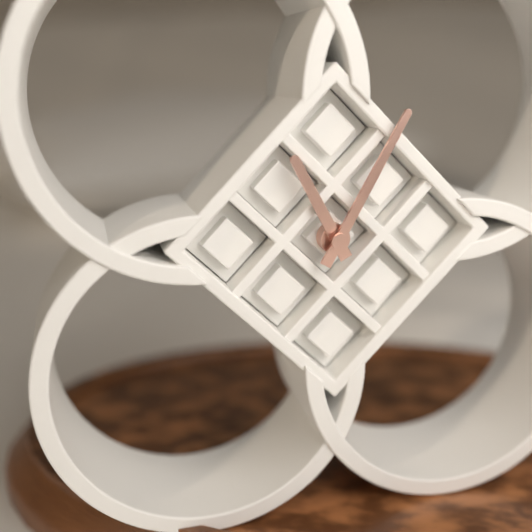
11:05
